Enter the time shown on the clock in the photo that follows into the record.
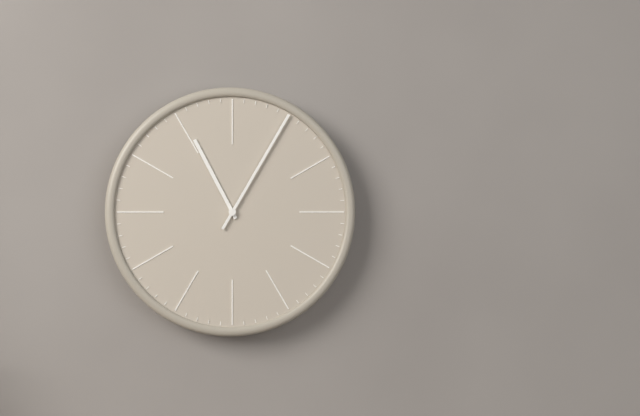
11:05
